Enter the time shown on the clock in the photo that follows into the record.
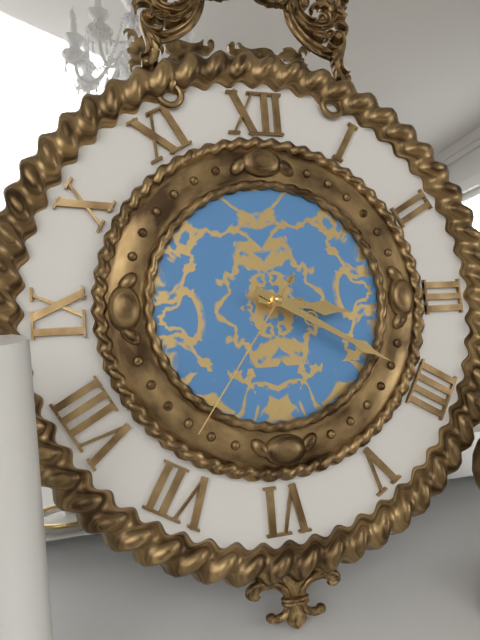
3:20:36
